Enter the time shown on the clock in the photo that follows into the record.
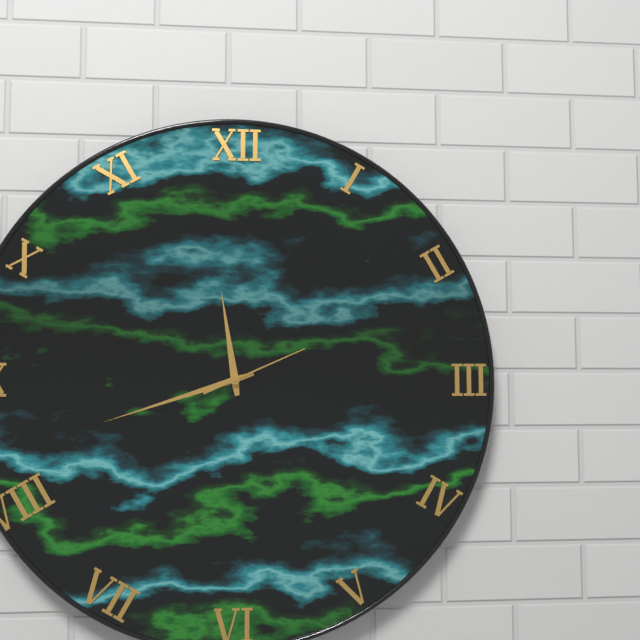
11:42:11
